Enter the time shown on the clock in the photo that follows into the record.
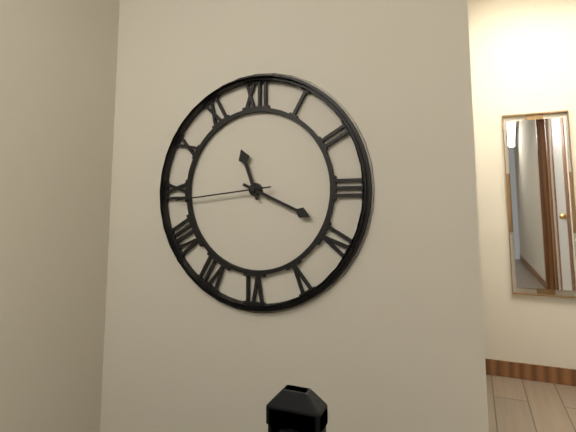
11:19:44
